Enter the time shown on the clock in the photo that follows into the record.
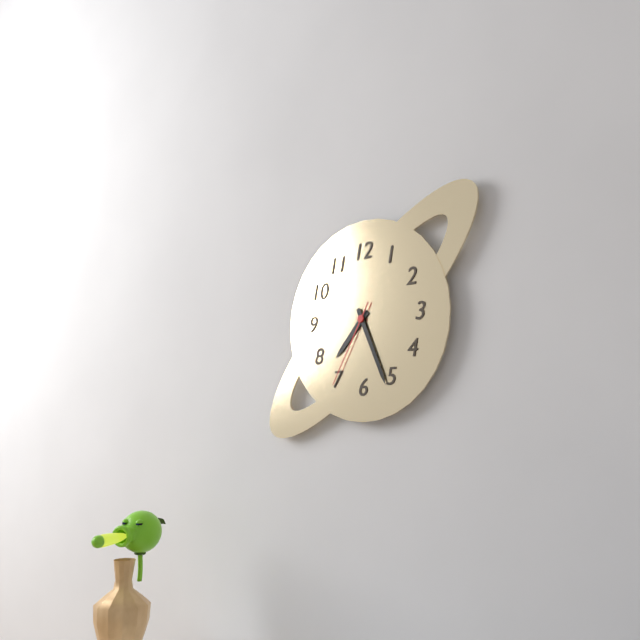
7:26:35
